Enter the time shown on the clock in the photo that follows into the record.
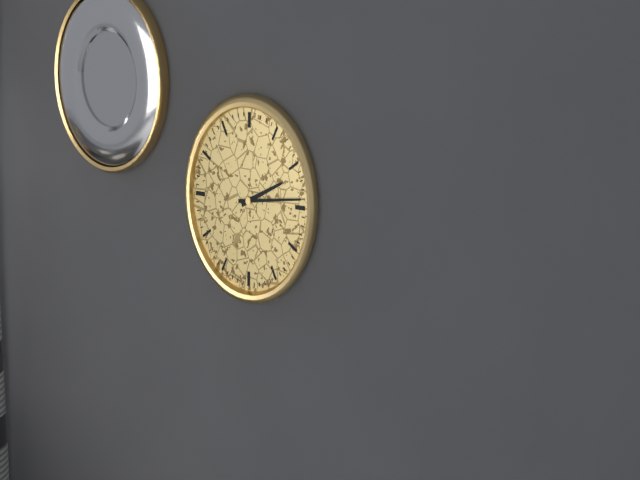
2:14
